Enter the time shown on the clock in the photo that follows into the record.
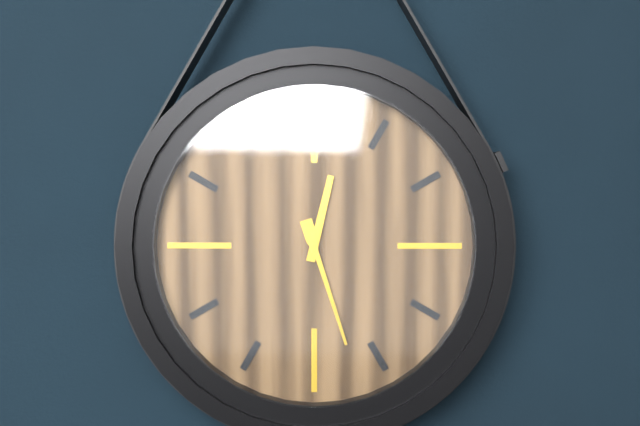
12:27
